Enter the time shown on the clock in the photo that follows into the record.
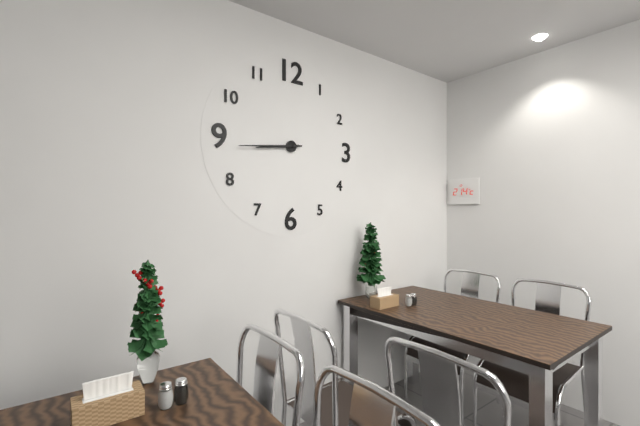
8:44
